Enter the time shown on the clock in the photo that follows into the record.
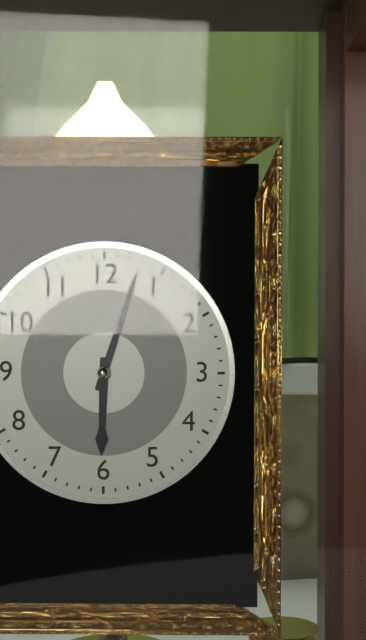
6:03
